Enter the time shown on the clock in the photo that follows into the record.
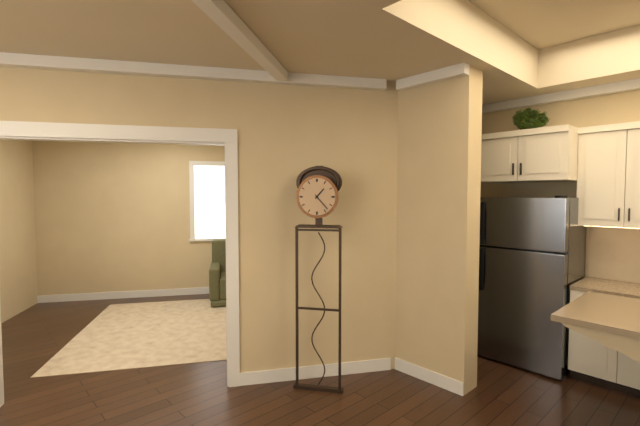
1:23
